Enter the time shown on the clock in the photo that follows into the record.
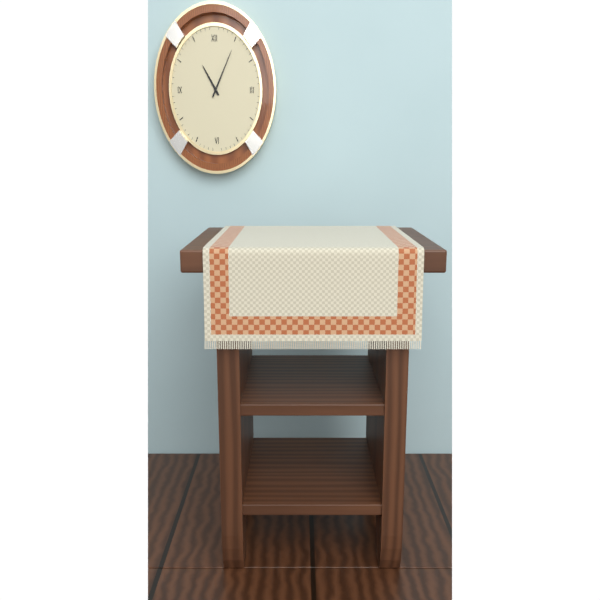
11:04
